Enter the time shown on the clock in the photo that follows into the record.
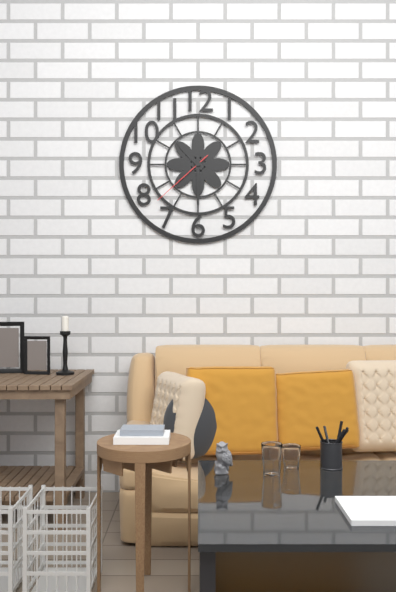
10:30:38
